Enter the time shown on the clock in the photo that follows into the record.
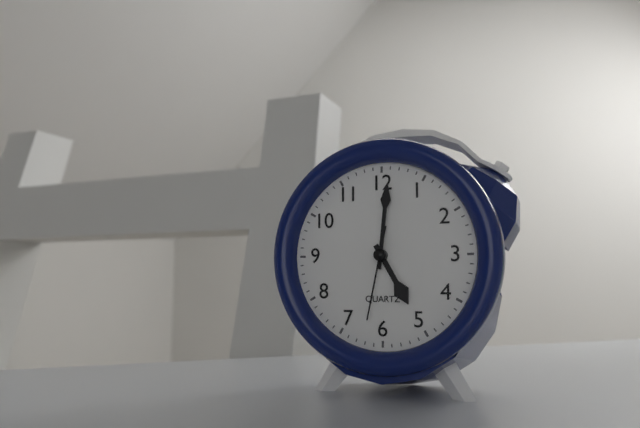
5:01:32
